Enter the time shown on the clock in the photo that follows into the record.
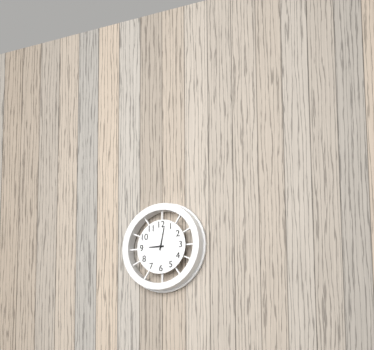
9:02
